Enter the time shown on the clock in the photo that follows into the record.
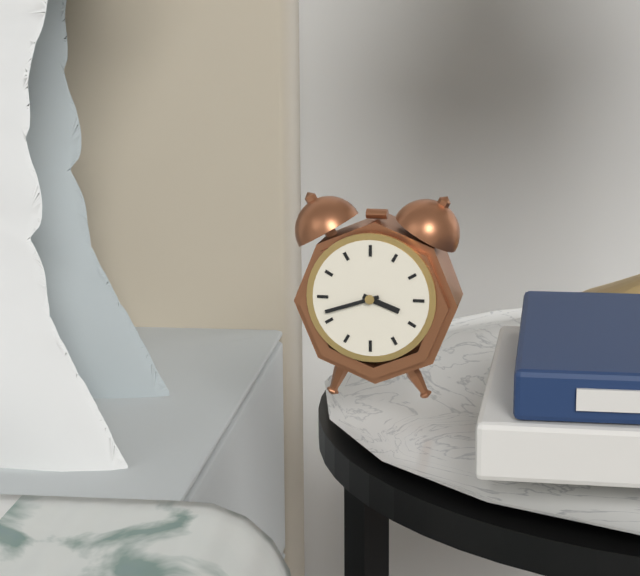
3:42
